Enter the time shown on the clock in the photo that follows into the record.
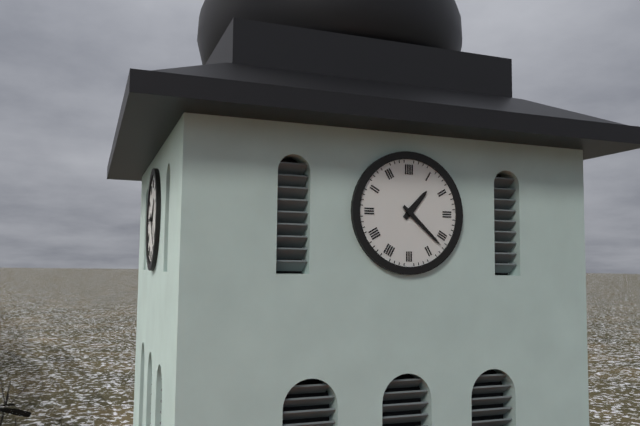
1:22
